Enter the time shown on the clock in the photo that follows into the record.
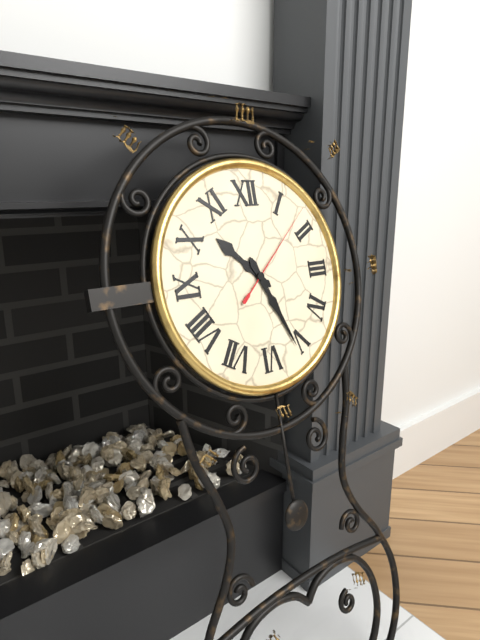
10:26:08
